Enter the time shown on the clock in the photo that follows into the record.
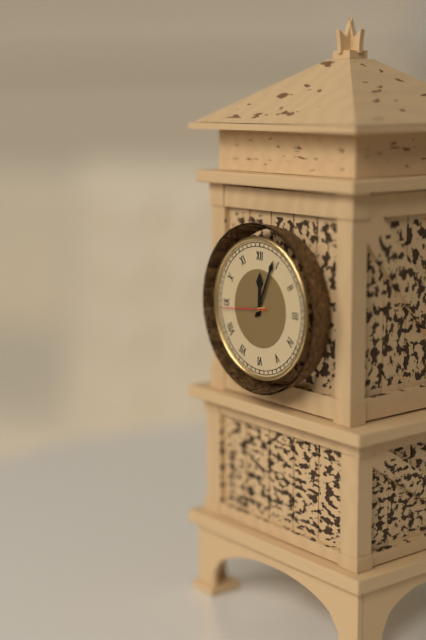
12:04
